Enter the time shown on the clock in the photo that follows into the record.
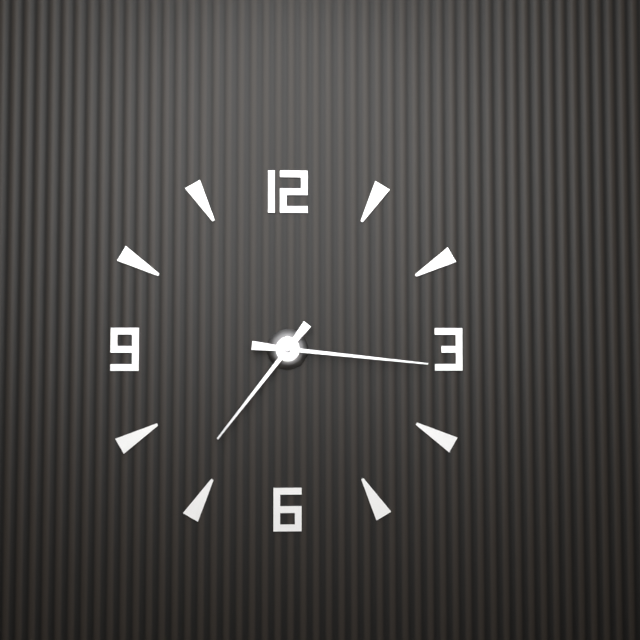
7:16
